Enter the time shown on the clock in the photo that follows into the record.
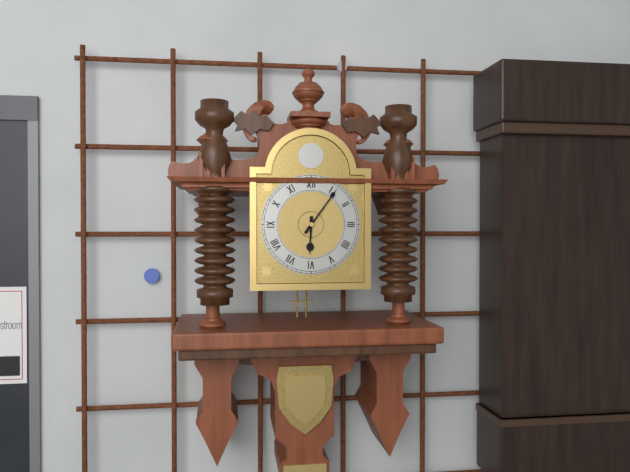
6:06
